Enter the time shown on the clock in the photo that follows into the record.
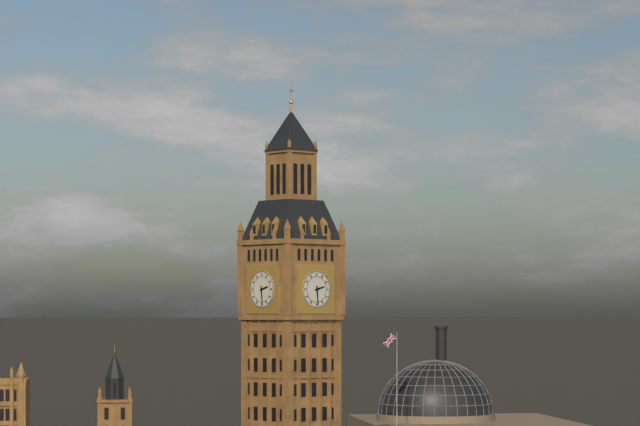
2:29
